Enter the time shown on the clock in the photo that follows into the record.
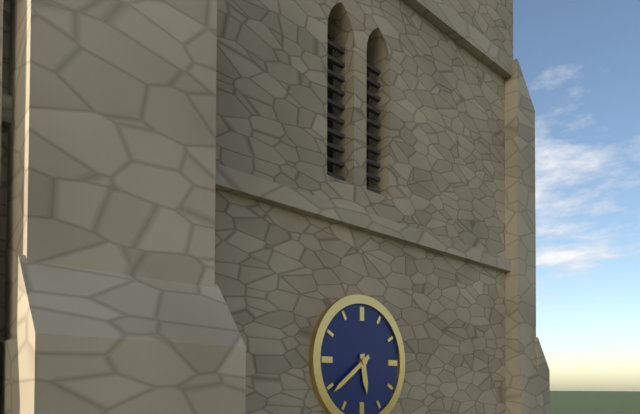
5:39
